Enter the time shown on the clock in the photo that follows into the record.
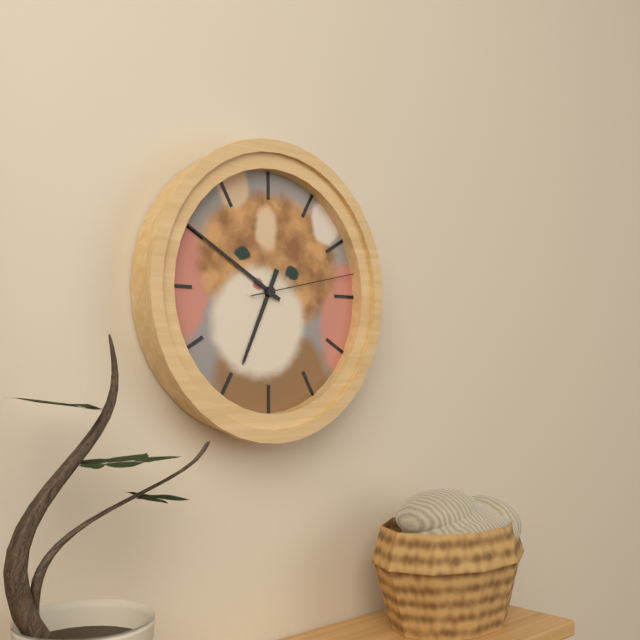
6:50:13
